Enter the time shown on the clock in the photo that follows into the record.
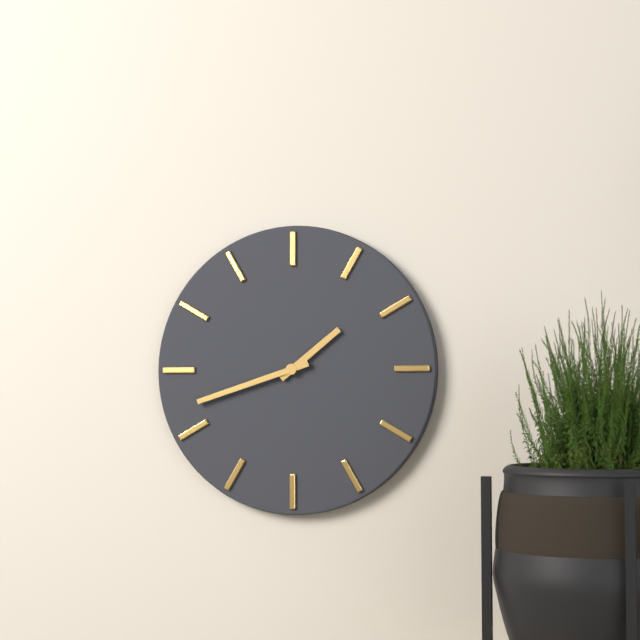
1:42
